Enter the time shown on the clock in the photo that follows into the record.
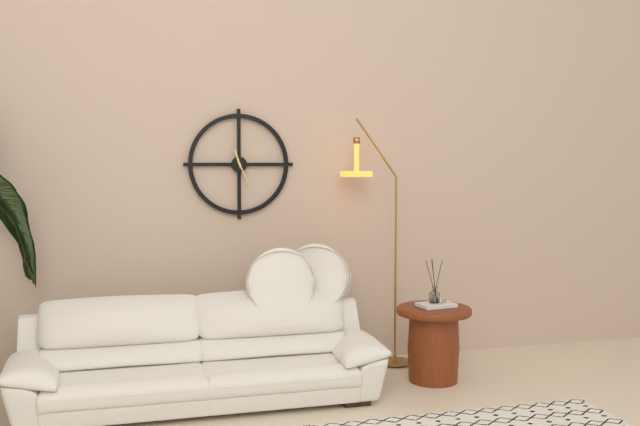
11:26
